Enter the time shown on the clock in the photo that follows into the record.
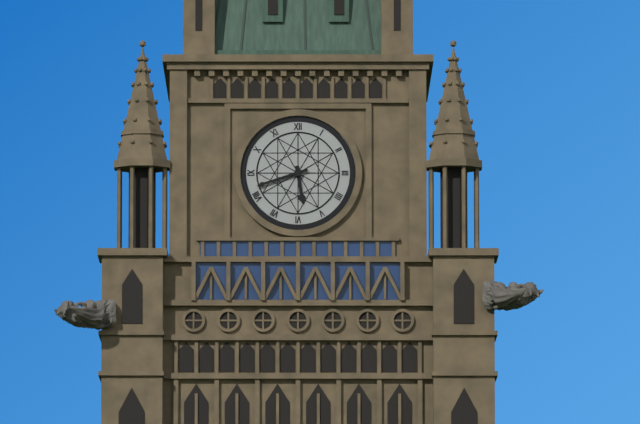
5:42
